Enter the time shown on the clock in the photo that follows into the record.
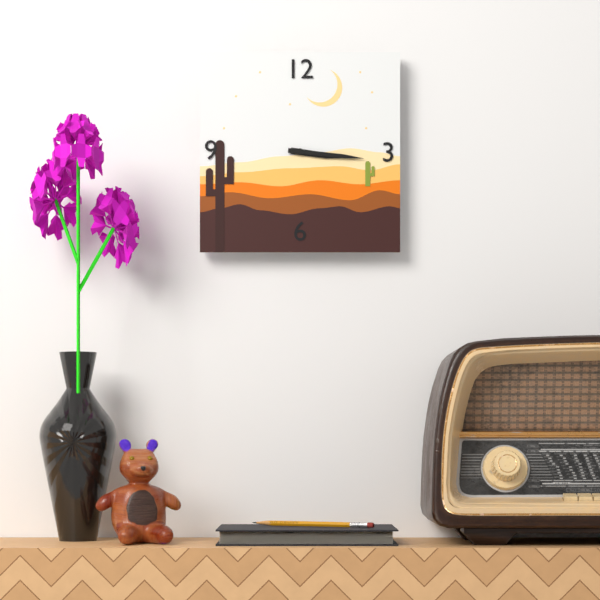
3:16
